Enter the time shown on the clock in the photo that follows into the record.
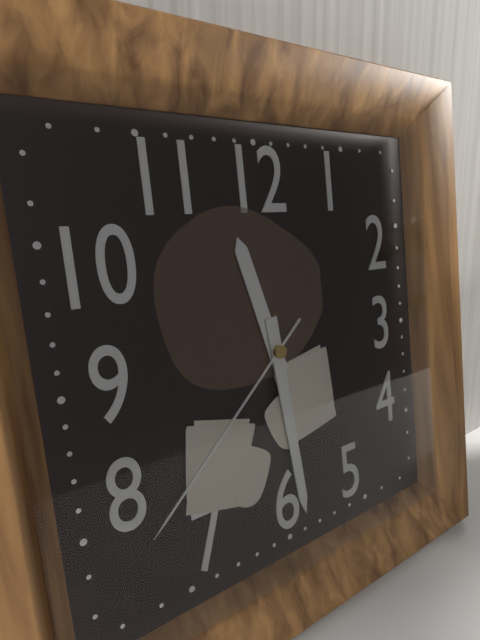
11:29:38
